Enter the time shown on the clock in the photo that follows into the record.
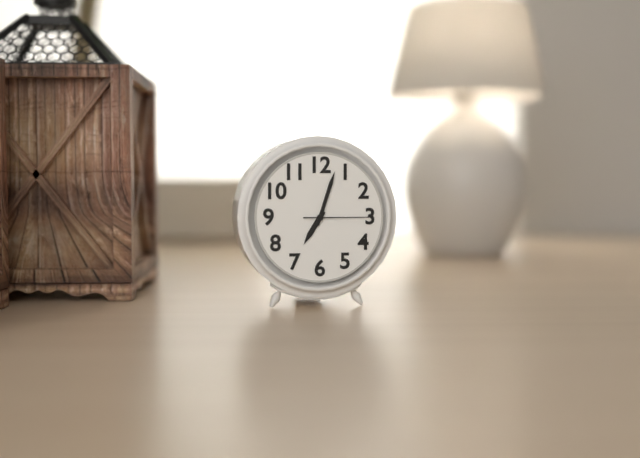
7:03:15
